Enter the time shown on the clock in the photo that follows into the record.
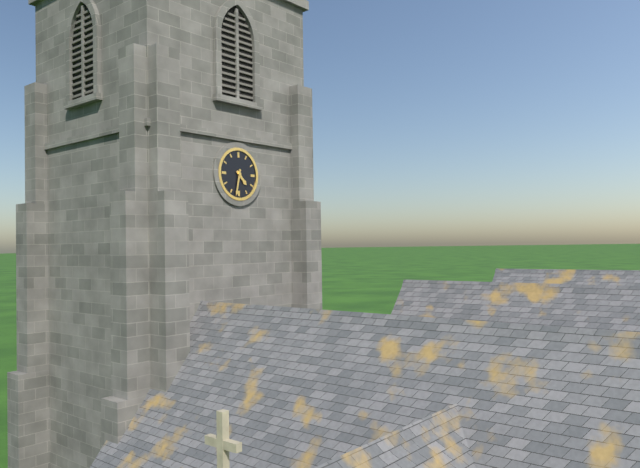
4:32
